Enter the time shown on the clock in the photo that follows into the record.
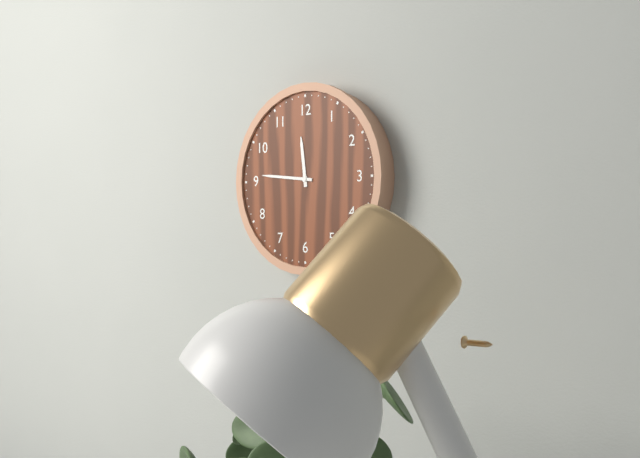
11:46
